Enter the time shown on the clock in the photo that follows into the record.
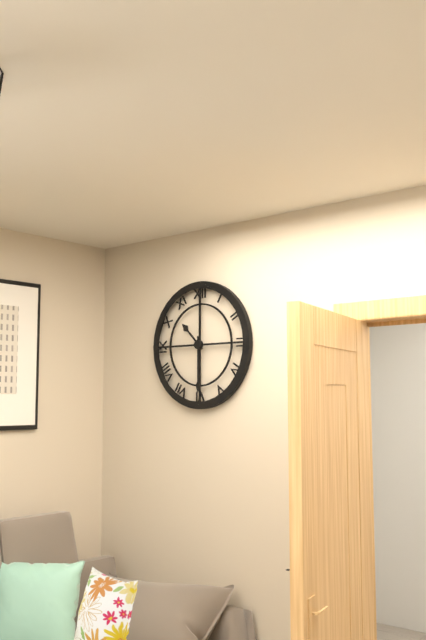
10:30
